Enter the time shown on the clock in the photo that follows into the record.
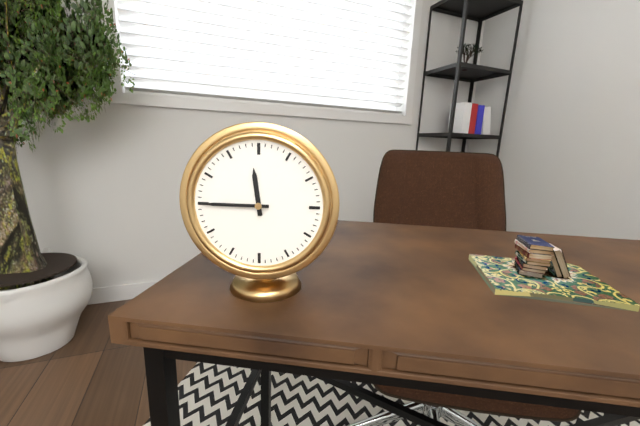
11:45
